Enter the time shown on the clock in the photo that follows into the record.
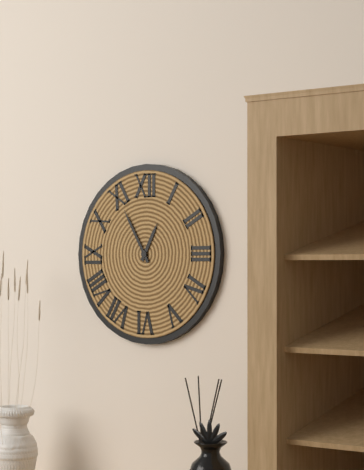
12:55
